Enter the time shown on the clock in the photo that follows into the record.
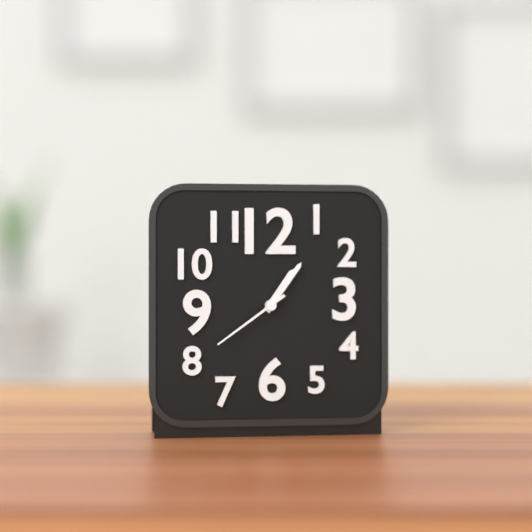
1:06:39
